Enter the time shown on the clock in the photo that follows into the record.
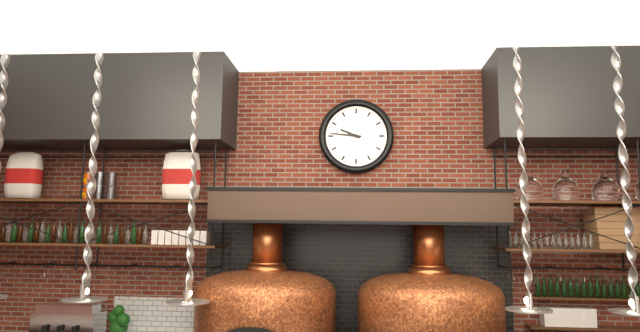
9:46
